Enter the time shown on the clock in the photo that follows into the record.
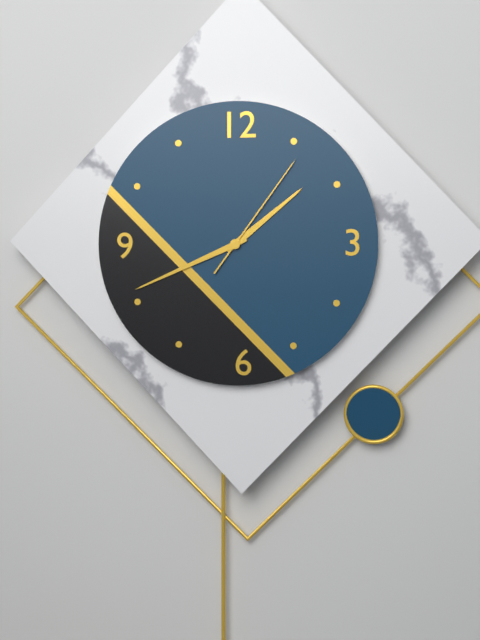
1:41:06
